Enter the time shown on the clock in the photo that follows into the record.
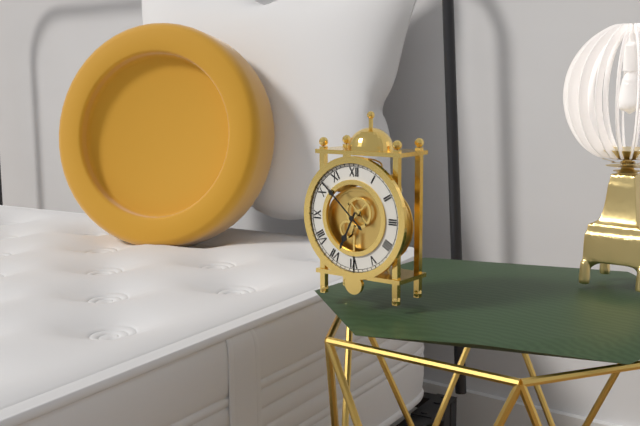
6:52
